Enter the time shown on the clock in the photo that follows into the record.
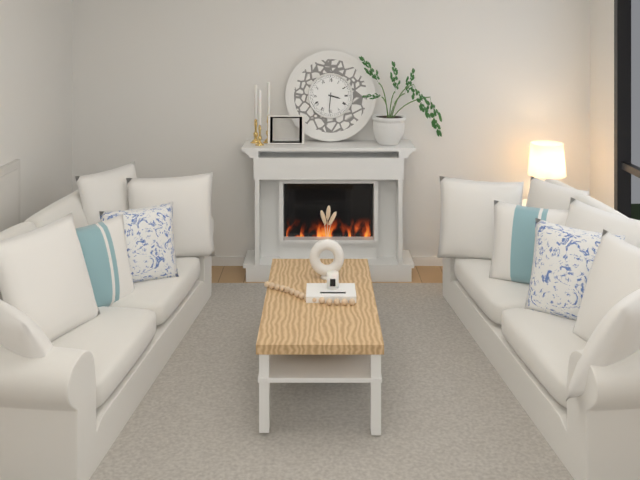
3:31
